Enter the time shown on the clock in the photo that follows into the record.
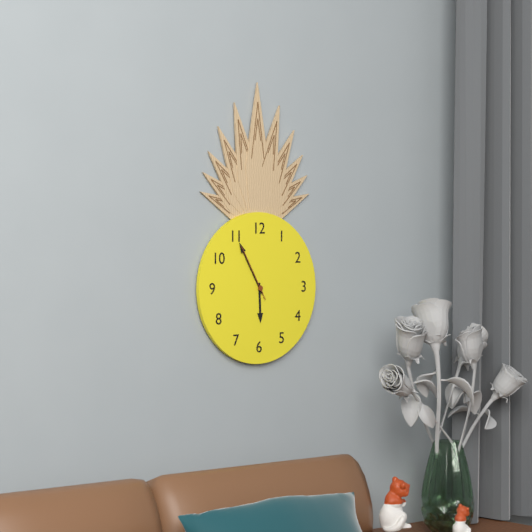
5:55:55
